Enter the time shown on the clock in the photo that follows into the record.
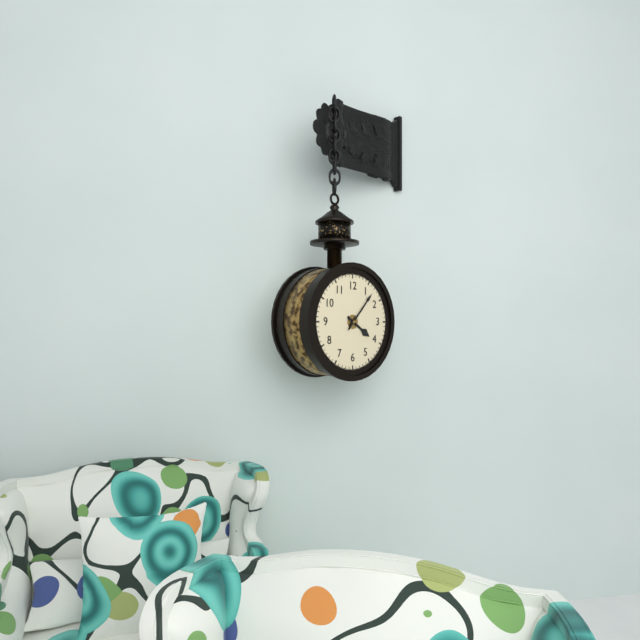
4:07
